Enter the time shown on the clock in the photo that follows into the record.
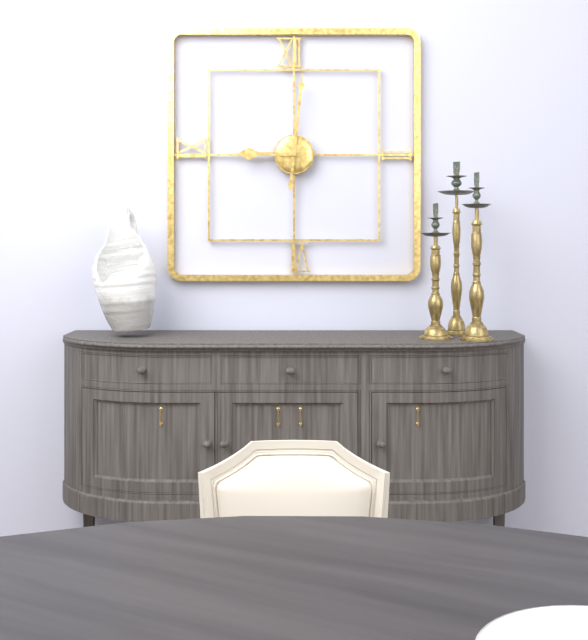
9:01
